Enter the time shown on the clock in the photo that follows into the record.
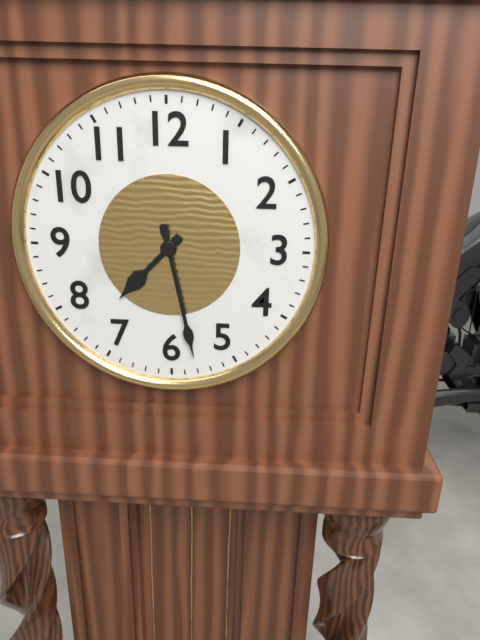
7:28
